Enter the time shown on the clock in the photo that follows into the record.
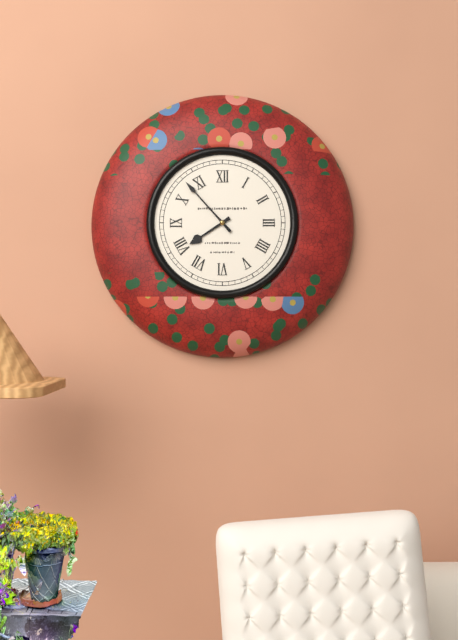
7:53
